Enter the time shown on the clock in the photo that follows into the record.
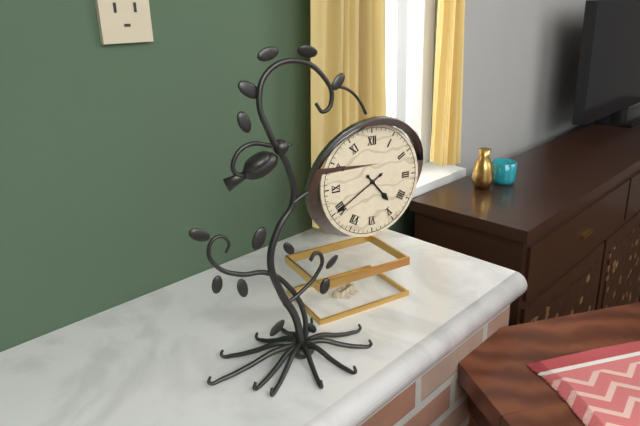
4:40
